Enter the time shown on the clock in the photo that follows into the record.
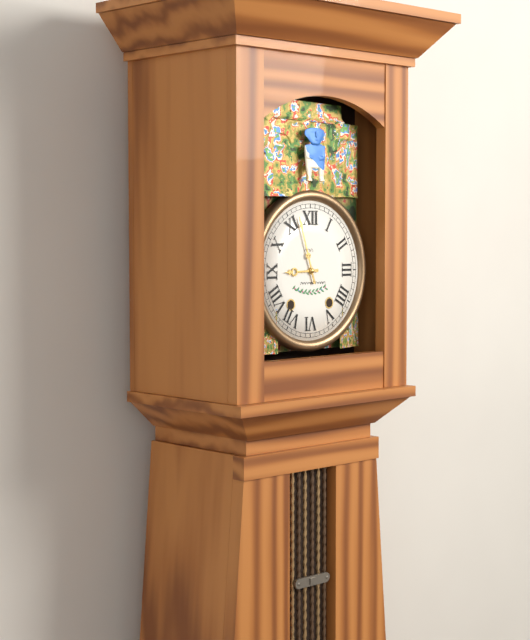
8:57
